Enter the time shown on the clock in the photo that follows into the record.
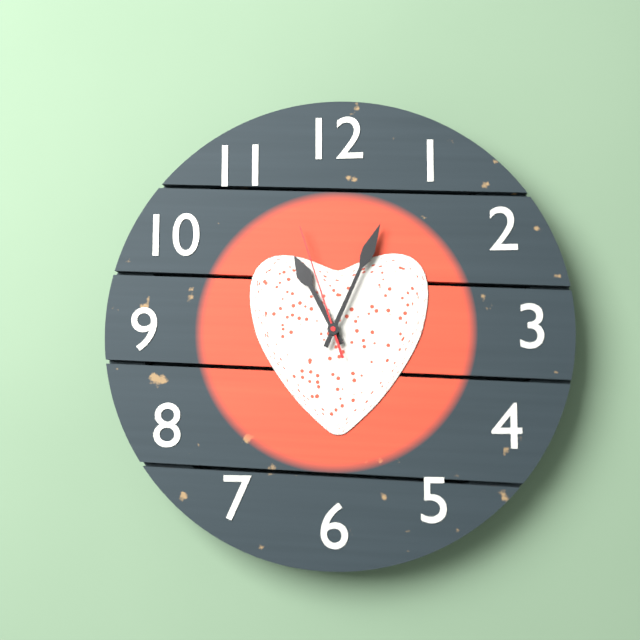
11:04:57
